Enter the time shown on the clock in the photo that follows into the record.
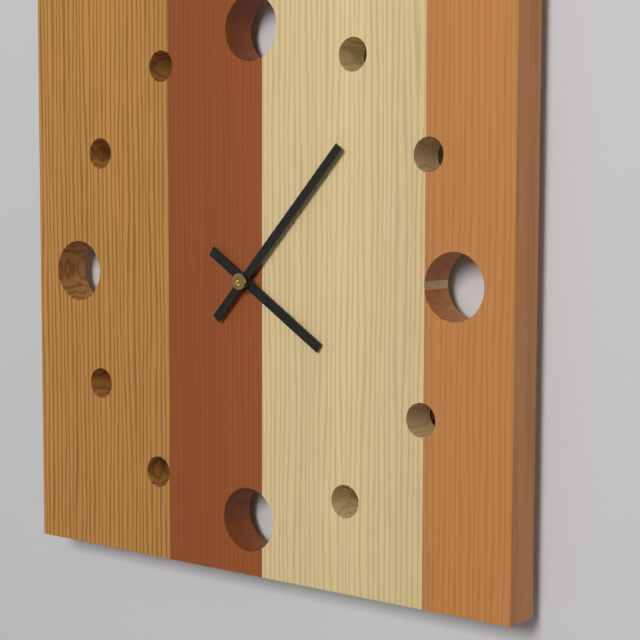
4:07
